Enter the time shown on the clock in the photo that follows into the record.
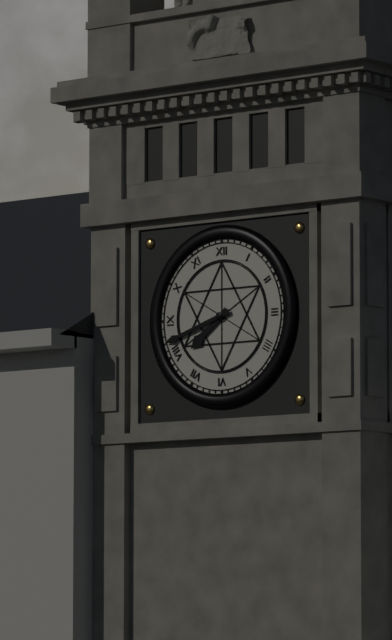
7:42
